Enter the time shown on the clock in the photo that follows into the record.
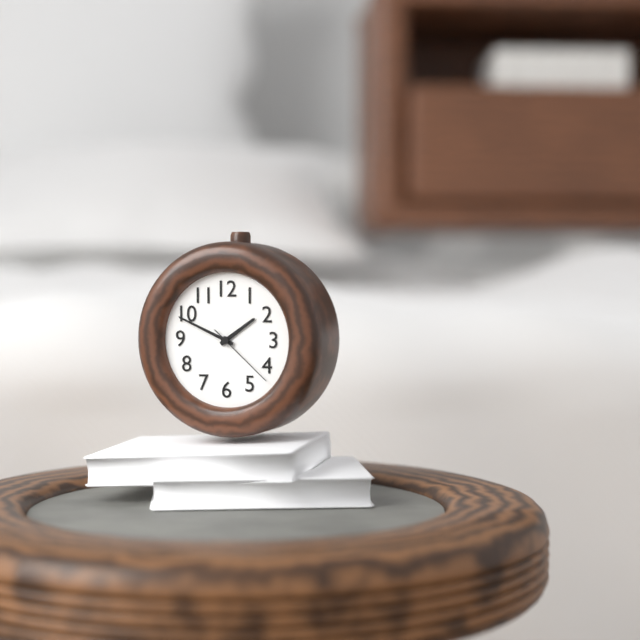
1:49:22
